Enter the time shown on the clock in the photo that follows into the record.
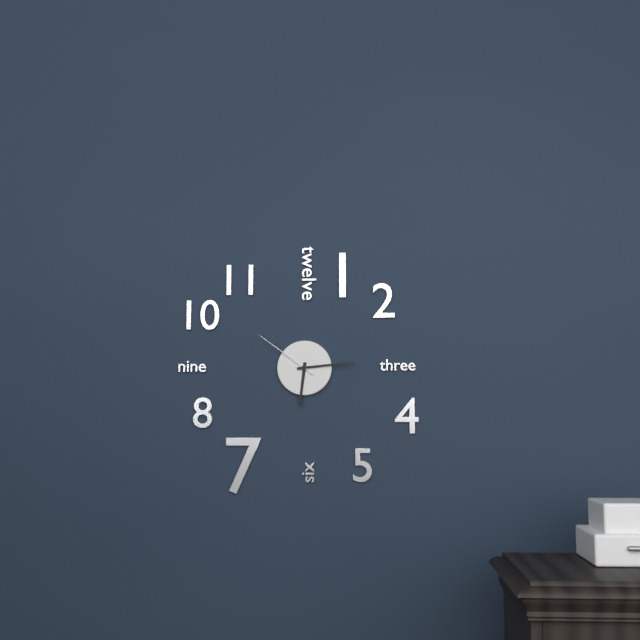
6:14:51
